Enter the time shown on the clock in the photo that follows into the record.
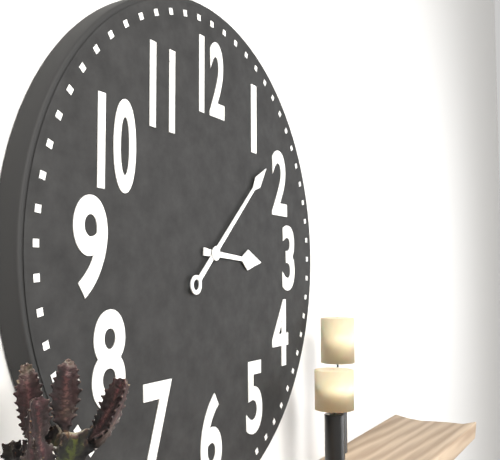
3:08
